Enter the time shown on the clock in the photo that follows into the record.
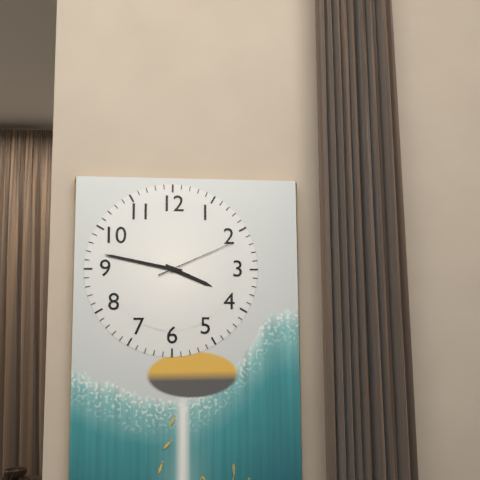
3:47:11
